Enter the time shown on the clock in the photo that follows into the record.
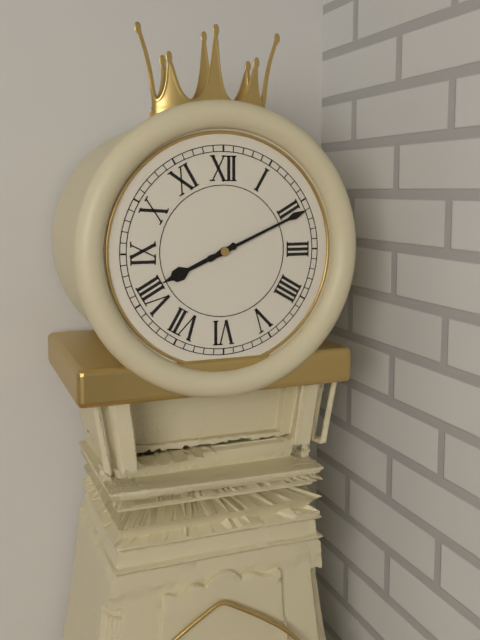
8:11
